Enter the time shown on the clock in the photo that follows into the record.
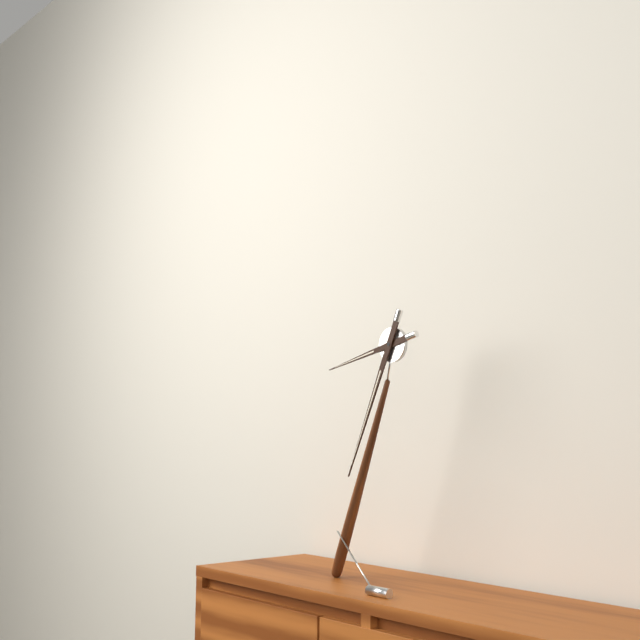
8:34
